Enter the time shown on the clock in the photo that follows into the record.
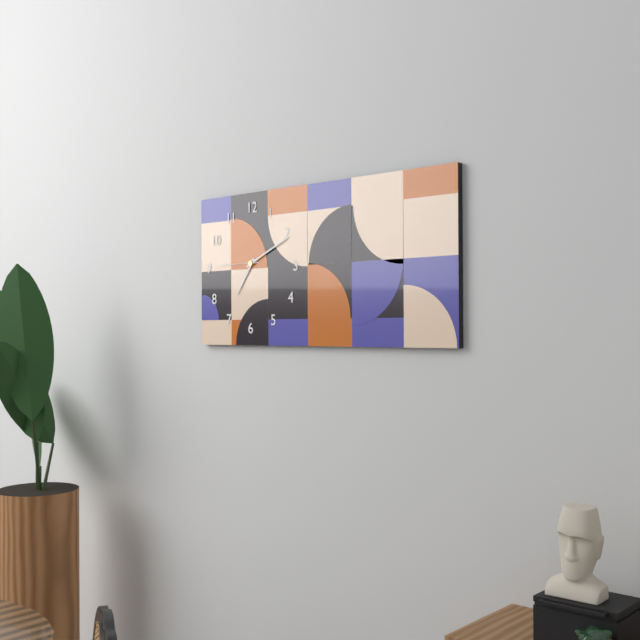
7:11
